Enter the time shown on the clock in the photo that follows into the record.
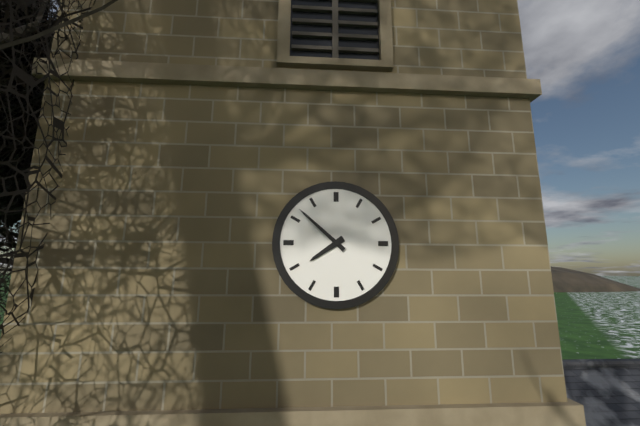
7:52
